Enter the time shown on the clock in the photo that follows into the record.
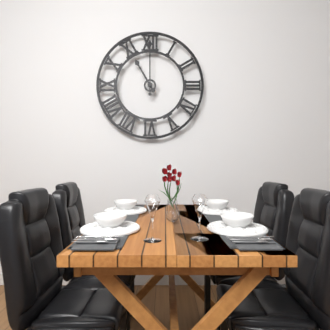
11:00
